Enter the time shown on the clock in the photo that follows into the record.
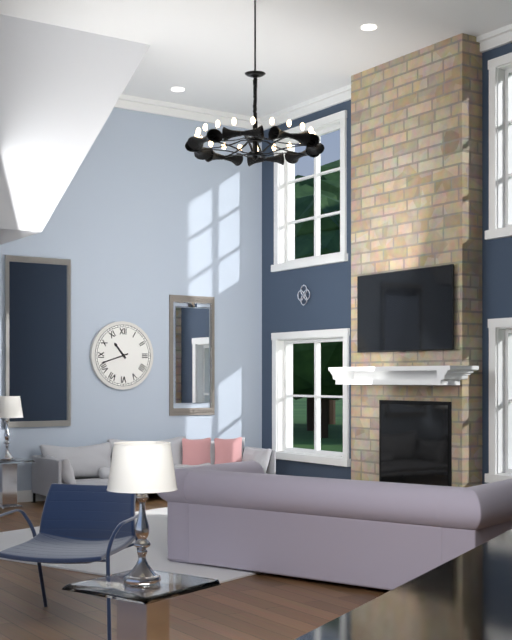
10:42
